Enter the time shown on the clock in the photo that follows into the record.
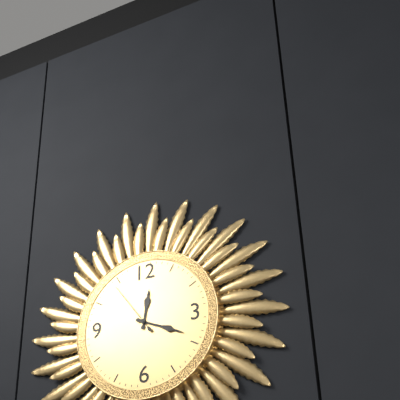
12:19:54
